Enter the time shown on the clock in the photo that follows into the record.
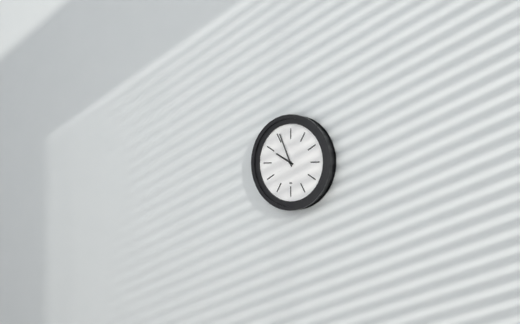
9:56
